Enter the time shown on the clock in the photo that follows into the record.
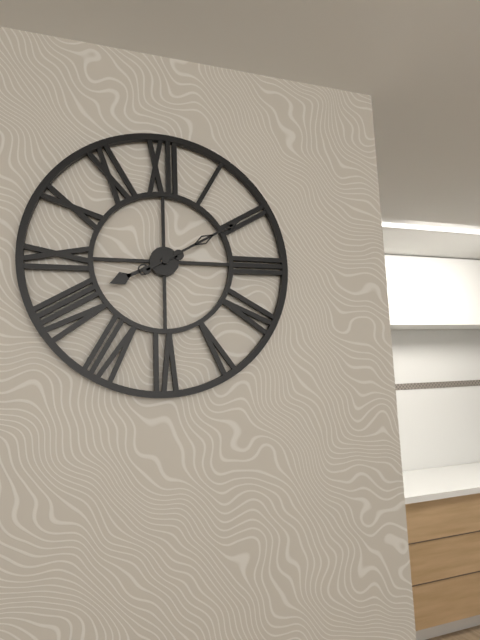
8:10
